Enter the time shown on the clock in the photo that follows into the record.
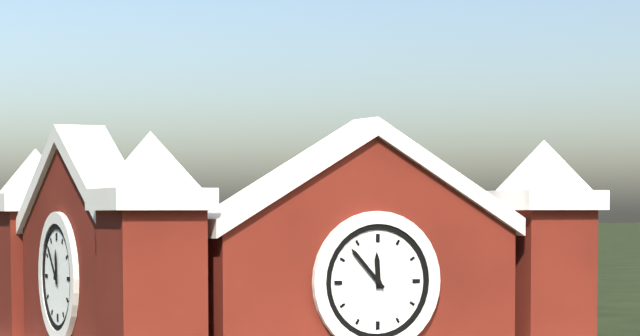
11:53
